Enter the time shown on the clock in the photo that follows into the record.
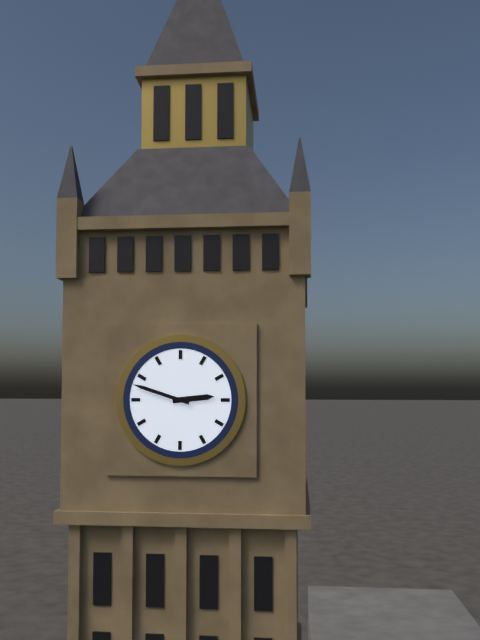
2:48
